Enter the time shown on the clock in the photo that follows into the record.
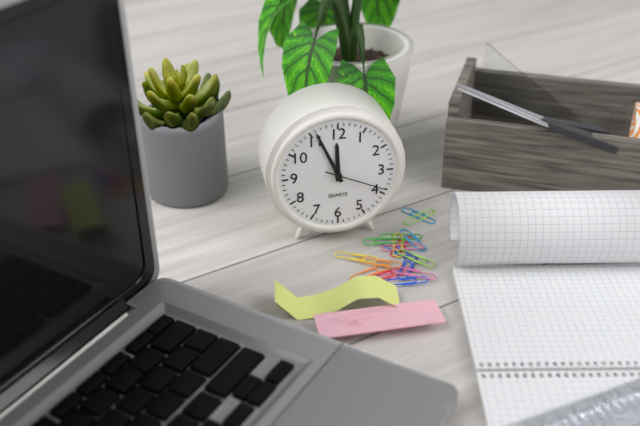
11:56:19
